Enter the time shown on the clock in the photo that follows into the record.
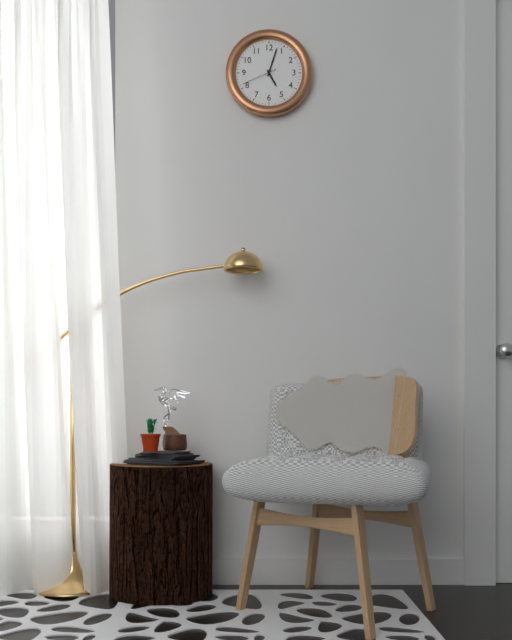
5:03
